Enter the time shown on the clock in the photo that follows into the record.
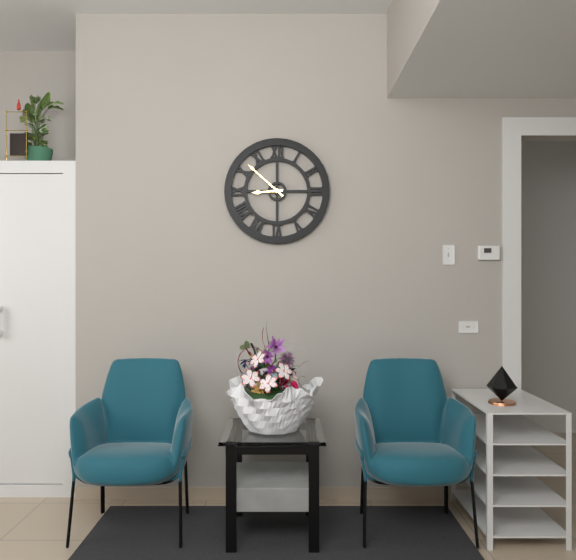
8:52
